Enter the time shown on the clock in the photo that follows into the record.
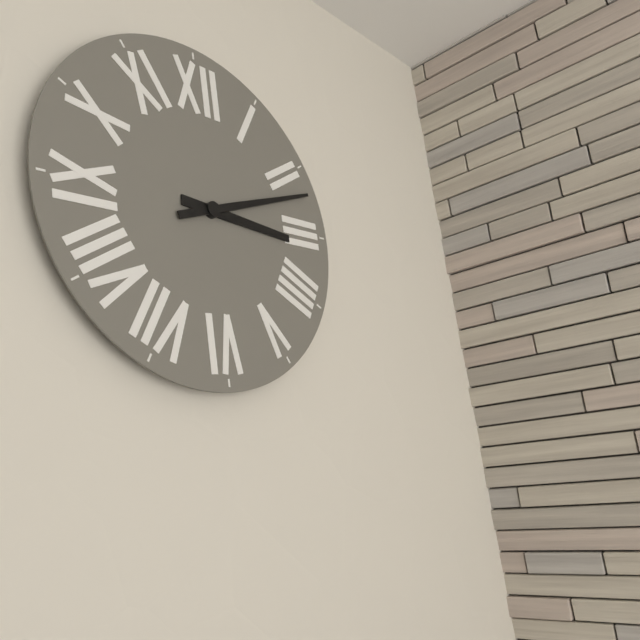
3:12
